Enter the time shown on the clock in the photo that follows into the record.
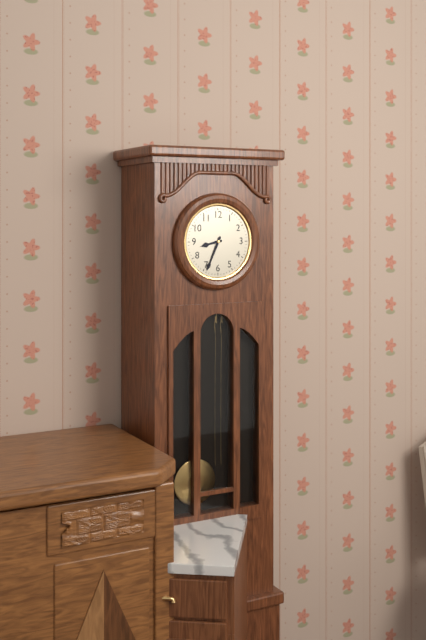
8:34
